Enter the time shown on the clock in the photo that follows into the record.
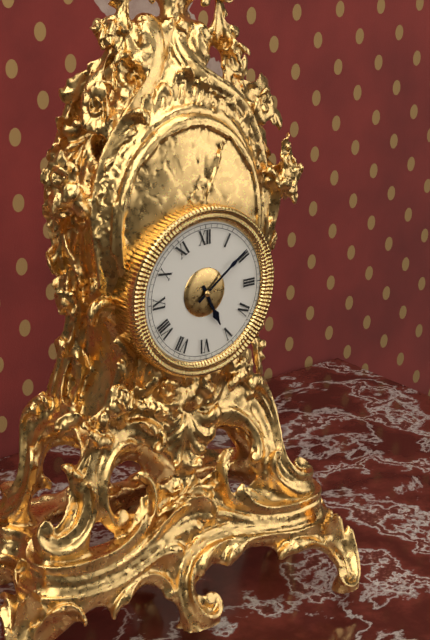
5:09
